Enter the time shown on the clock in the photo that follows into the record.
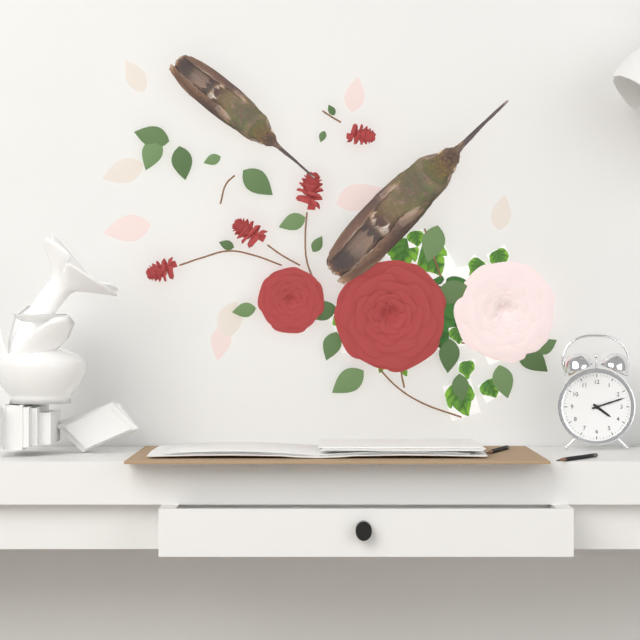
4:12
